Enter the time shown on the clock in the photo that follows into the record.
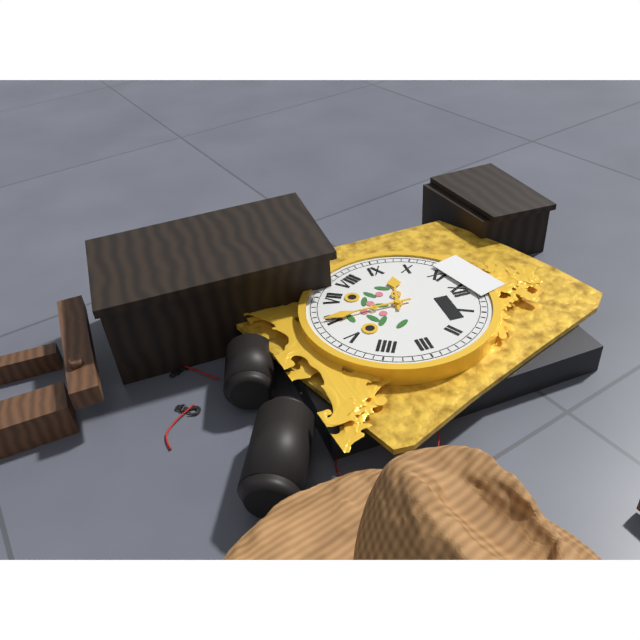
9:30
